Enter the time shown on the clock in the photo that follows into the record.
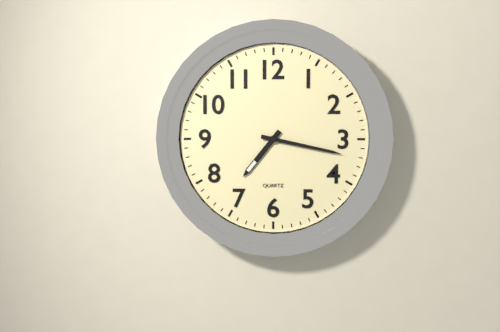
7:17
